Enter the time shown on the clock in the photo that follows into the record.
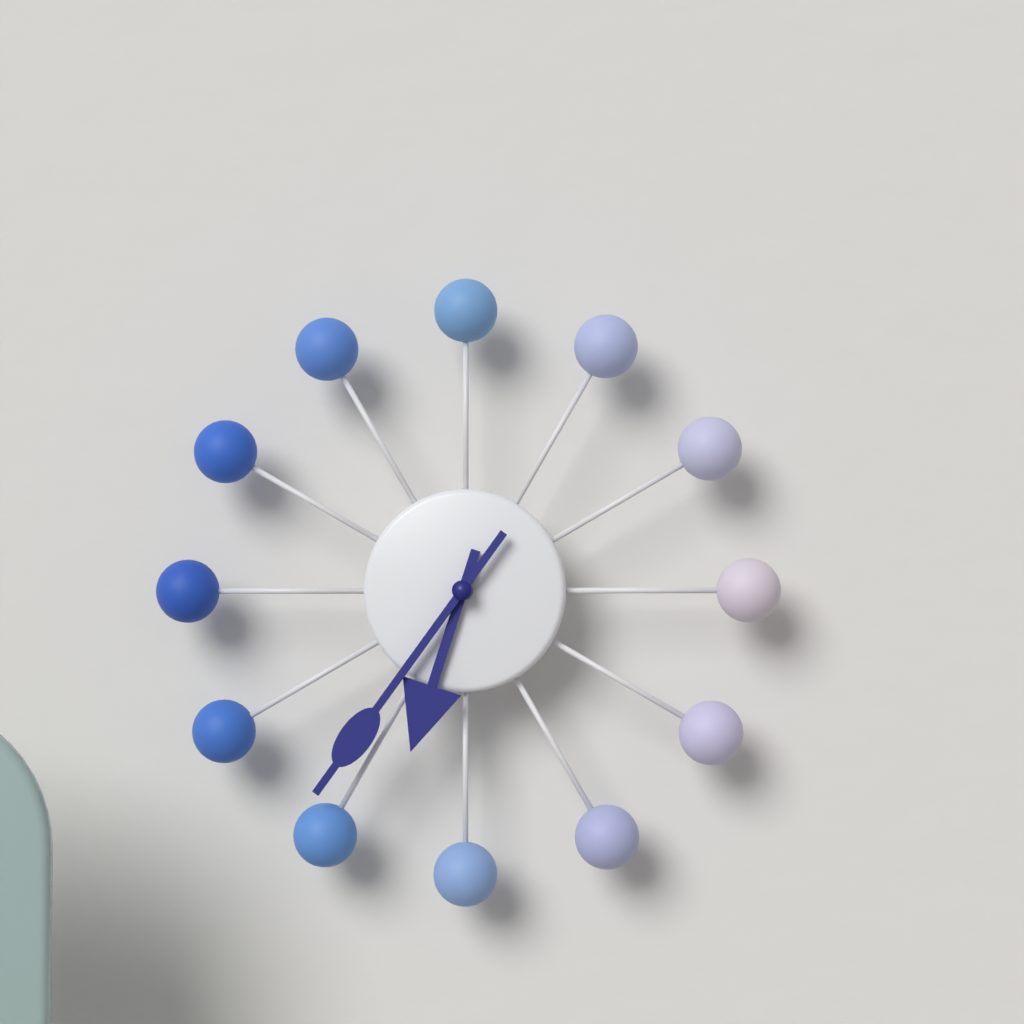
6:36
